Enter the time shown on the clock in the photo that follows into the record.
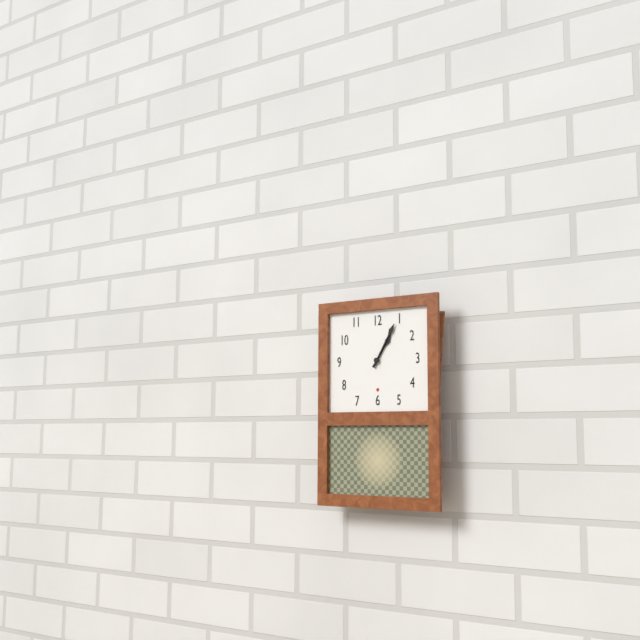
1:05
